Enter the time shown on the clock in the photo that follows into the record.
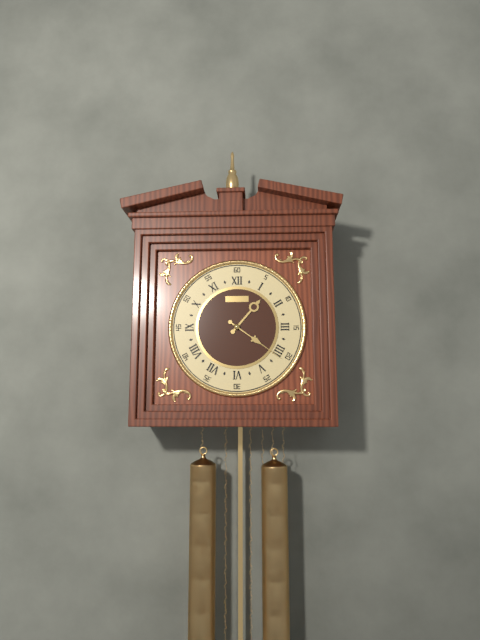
1:21
